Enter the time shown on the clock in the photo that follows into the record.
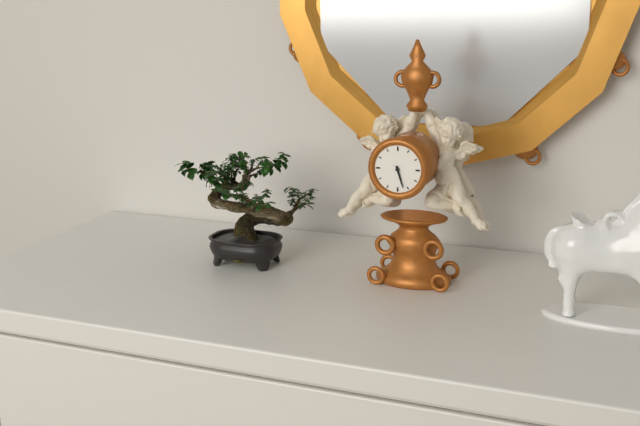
5:27
